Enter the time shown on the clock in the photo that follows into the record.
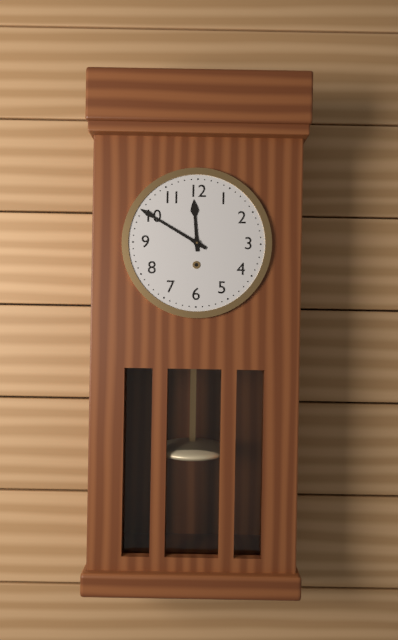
11:50
